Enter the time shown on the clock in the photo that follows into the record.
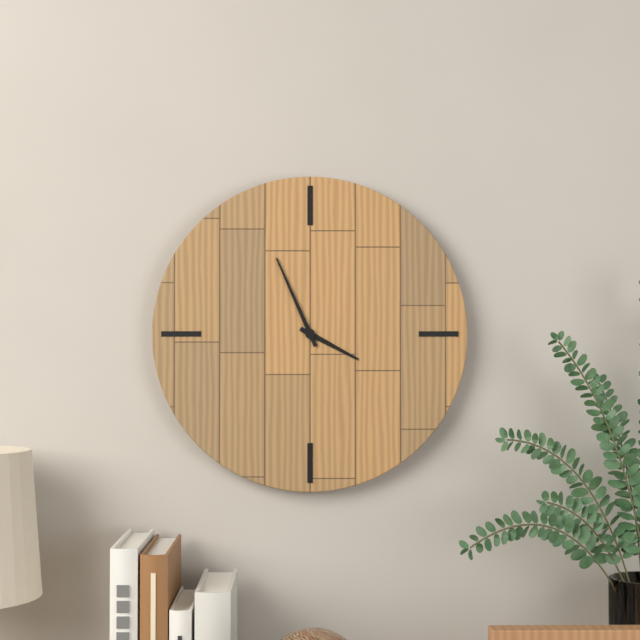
3:56
